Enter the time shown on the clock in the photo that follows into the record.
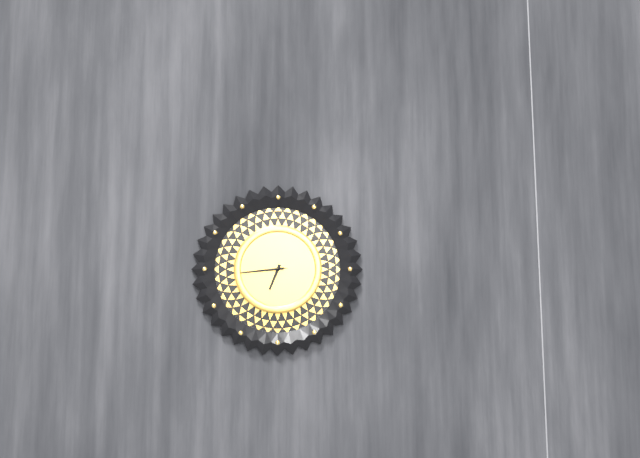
6:44
